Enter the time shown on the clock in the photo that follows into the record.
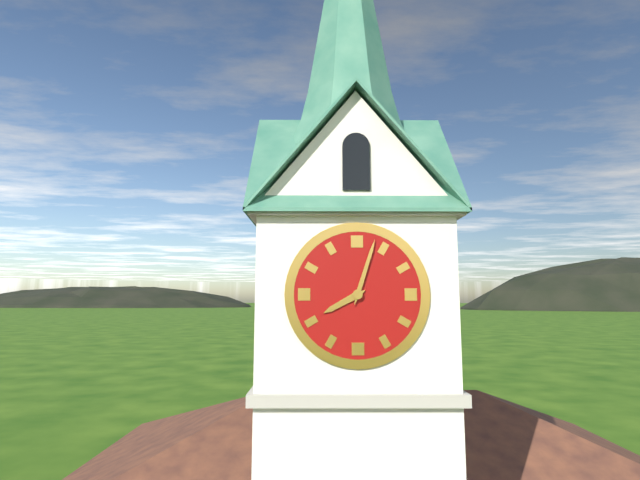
8:03
